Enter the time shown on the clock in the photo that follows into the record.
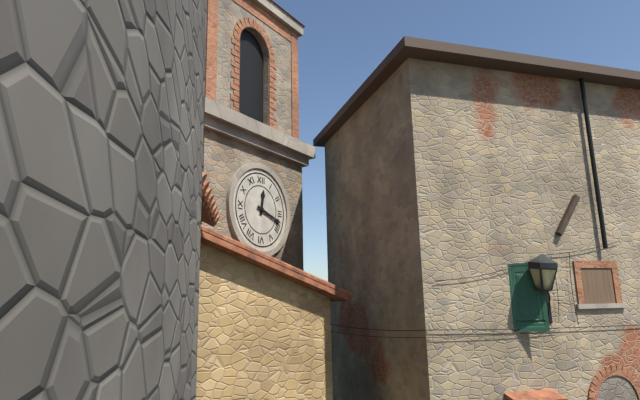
12:18
